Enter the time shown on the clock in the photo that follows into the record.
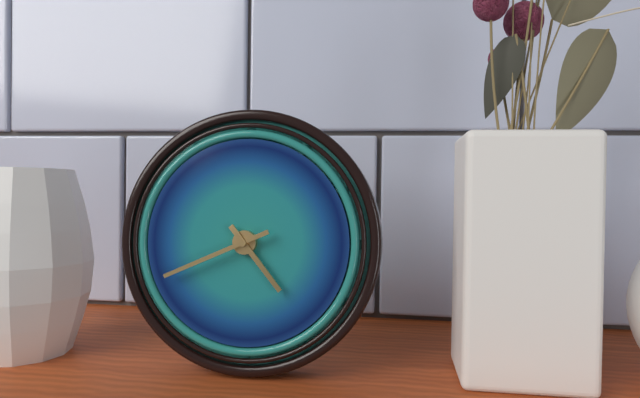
4:41
